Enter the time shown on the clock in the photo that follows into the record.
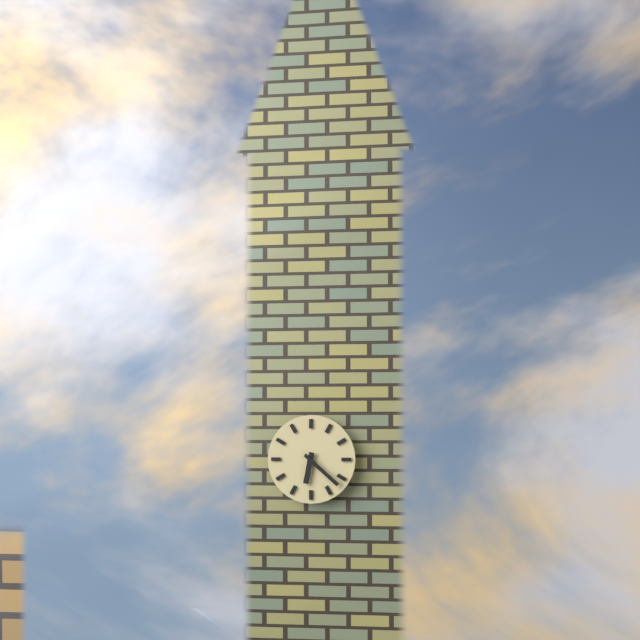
6:22
